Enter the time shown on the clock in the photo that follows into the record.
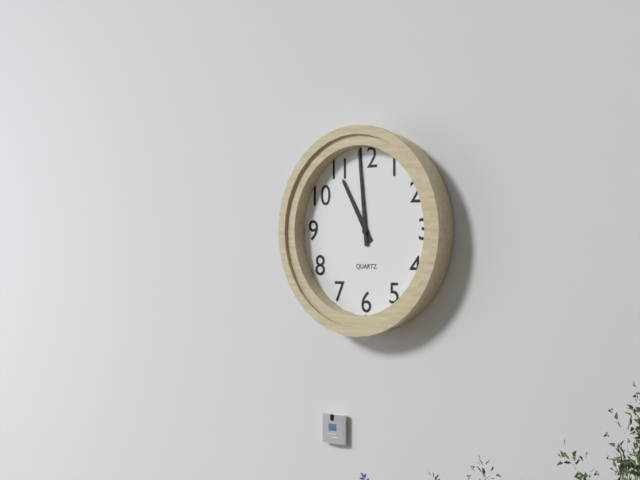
10:59
